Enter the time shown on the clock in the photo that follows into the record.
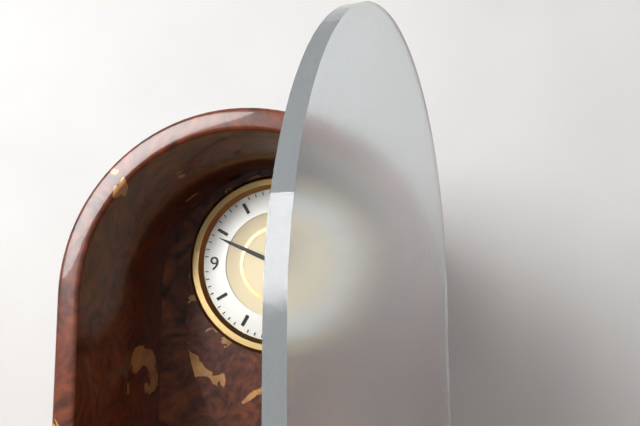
12:49
